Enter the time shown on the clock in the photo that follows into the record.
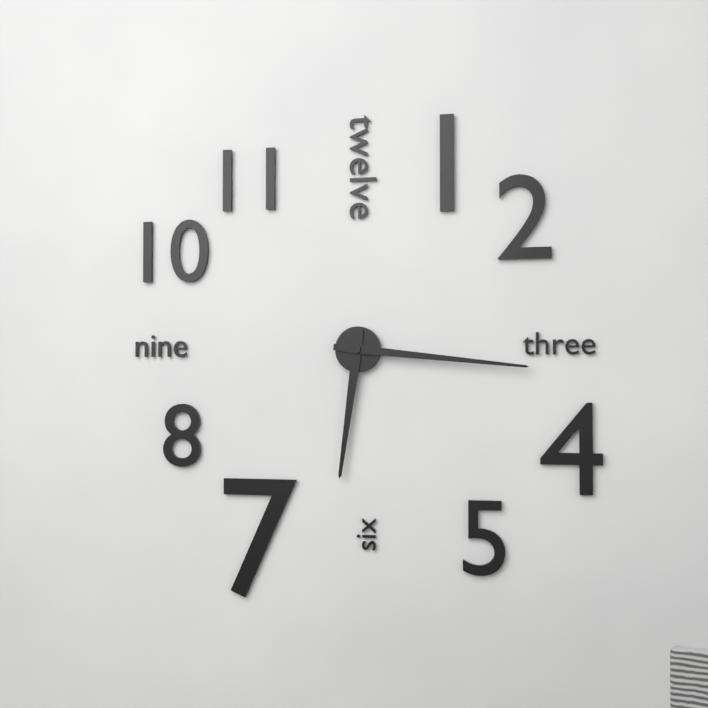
6:16
